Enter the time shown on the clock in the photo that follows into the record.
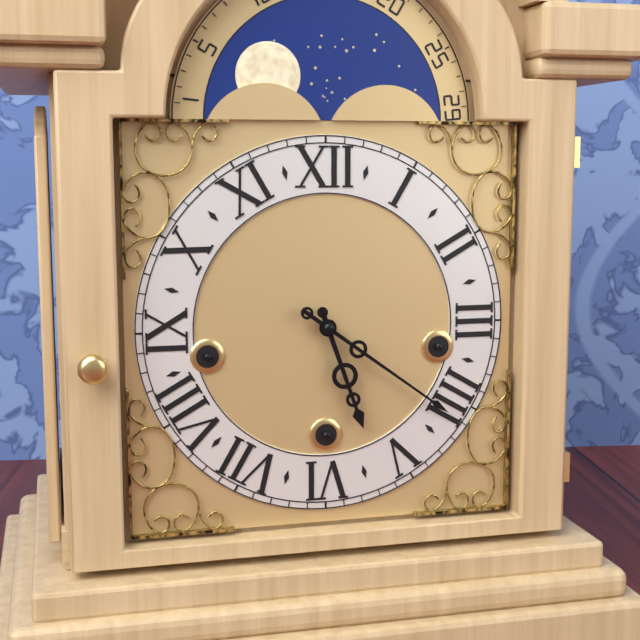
5:21
